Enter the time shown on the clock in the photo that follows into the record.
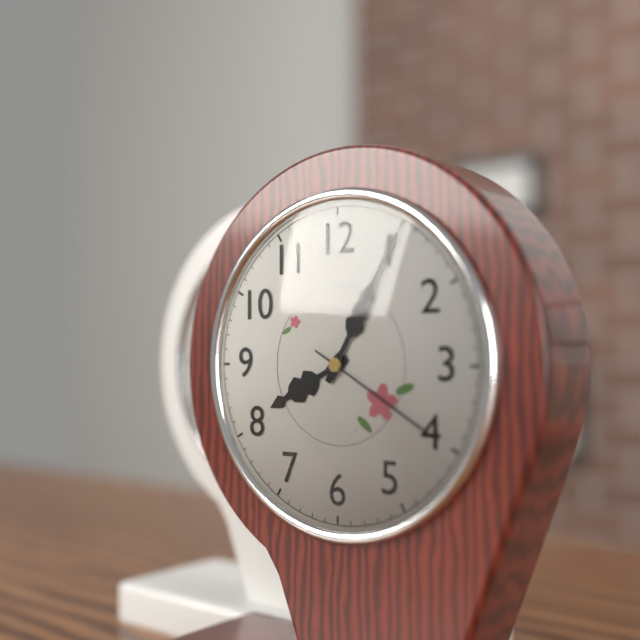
8:05:20
